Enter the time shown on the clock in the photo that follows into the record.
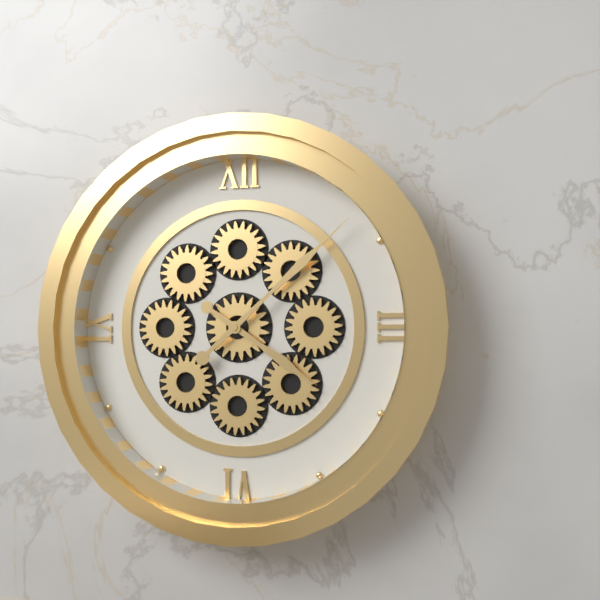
4:08
